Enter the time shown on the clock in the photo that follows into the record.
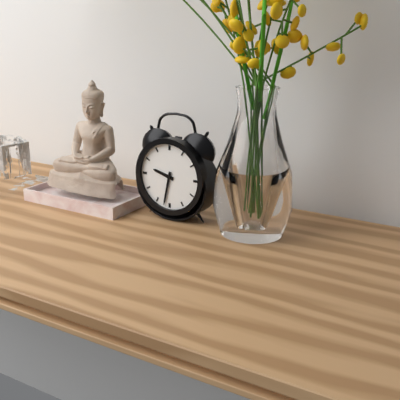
9:32
